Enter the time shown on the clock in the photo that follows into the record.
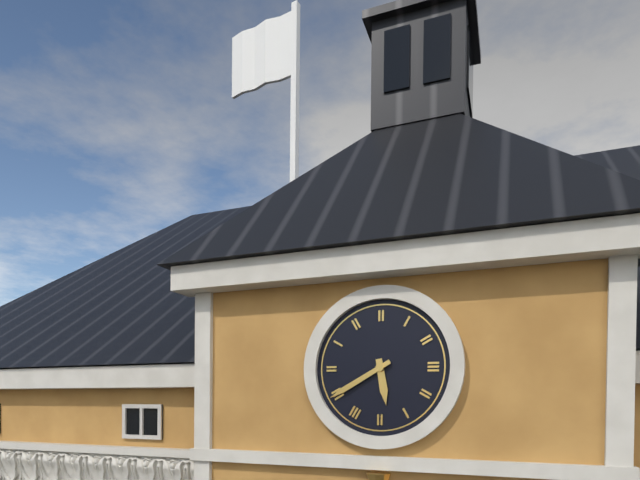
5:40
